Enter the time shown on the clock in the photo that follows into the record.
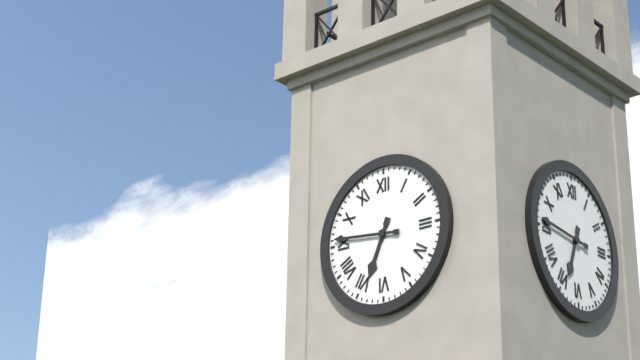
6:46
